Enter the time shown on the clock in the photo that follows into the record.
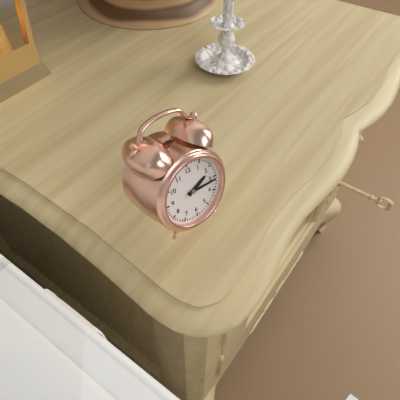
2:16
